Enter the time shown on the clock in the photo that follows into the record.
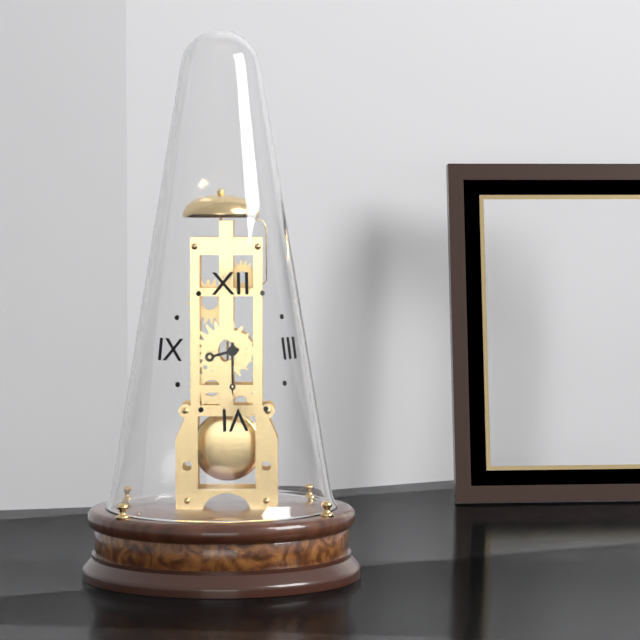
8:30
